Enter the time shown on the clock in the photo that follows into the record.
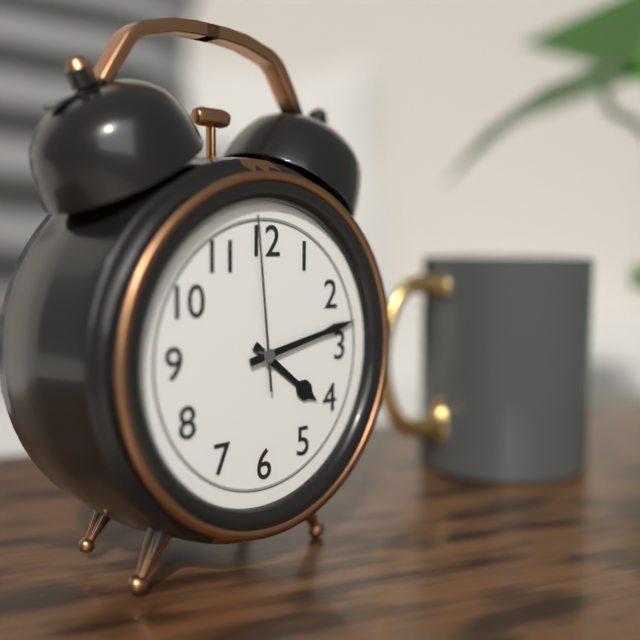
4:13:59
